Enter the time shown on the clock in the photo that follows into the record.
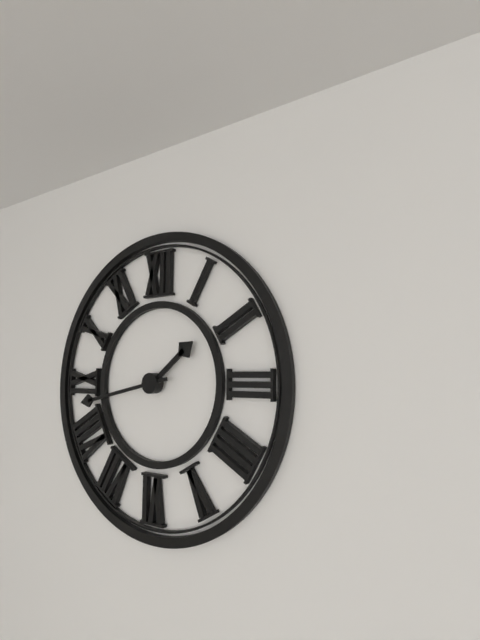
1:43
